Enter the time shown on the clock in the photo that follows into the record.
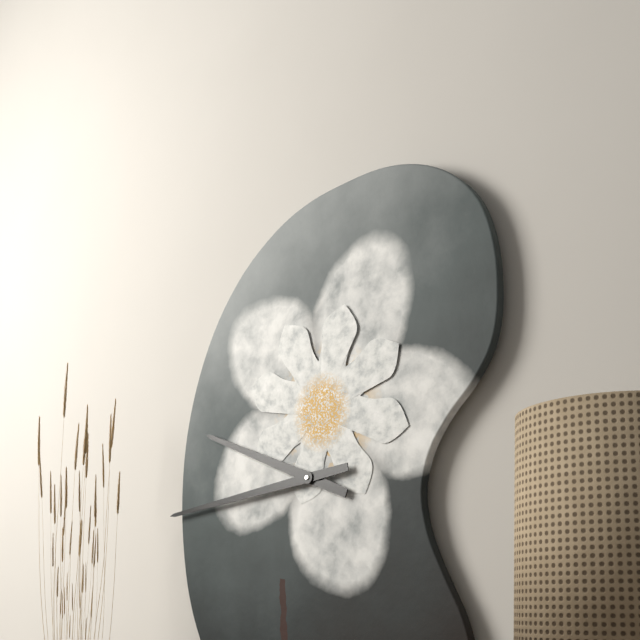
9:44
